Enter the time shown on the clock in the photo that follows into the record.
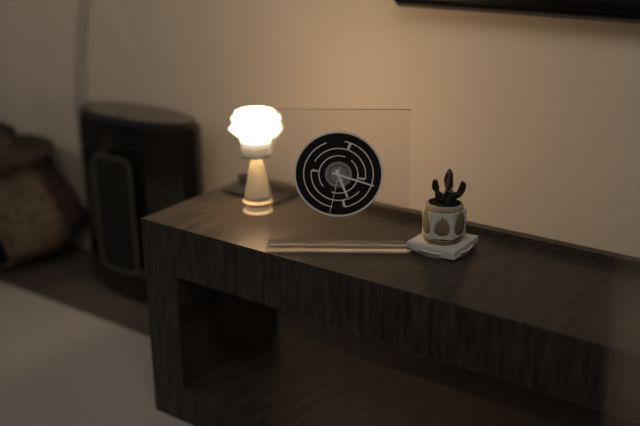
5:18
